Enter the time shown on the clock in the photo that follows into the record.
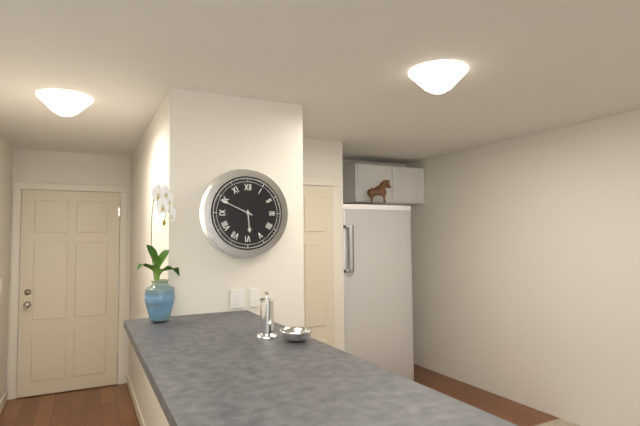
5:49
